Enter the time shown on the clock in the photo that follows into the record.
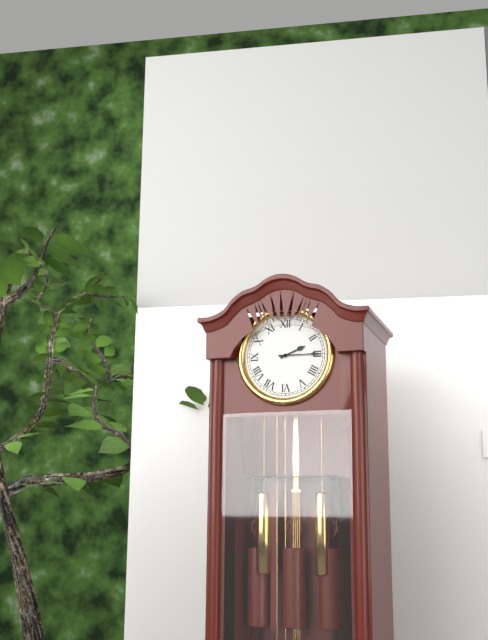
2:15
